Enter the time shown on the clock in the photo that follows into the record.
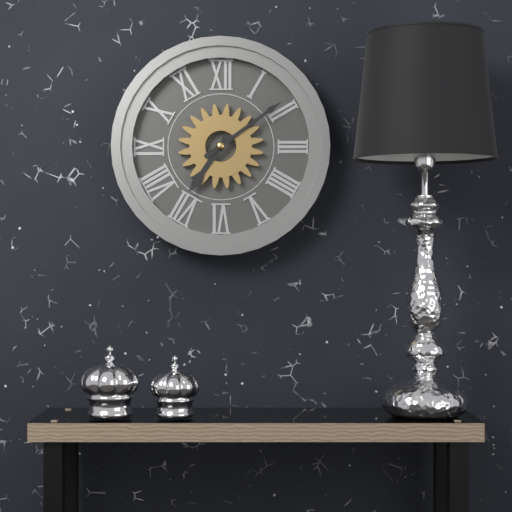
7:09
